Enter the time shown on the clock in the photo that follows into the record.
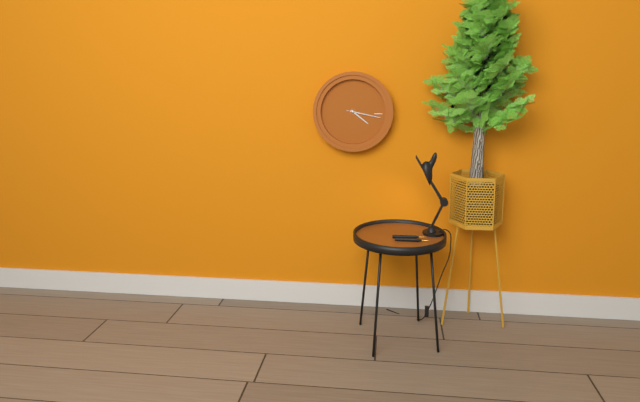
4:17
